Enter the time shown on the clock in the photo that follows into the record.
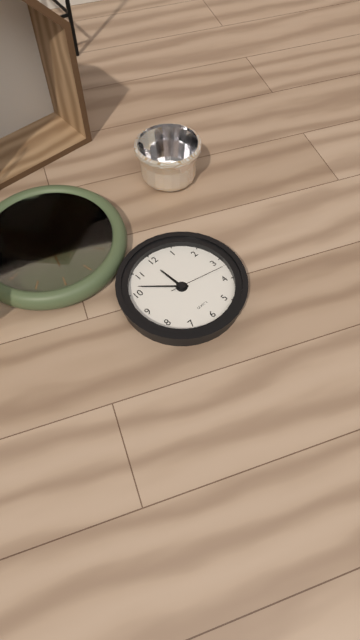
11:52:17
